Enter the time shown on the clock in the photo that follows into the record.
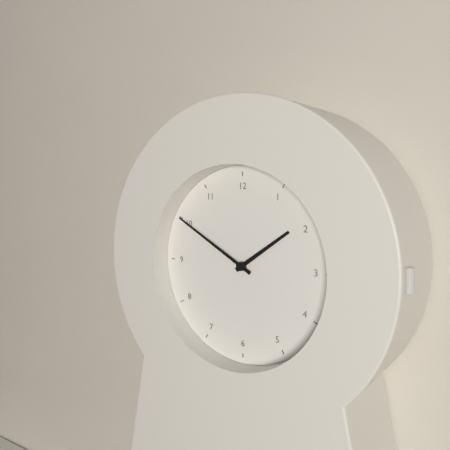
1:50
